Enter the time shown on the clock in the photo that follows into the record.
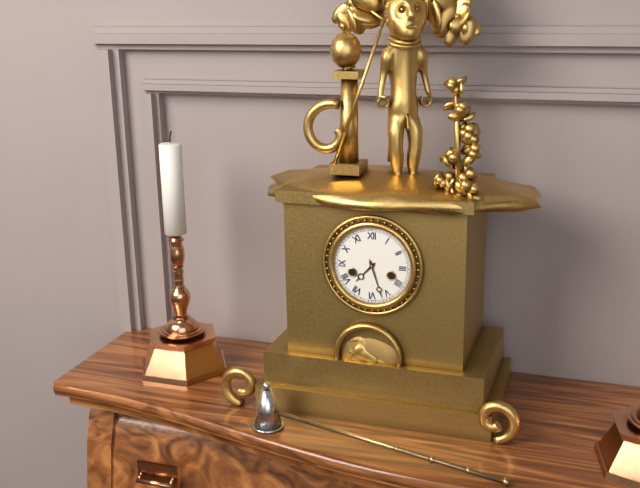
7:27
